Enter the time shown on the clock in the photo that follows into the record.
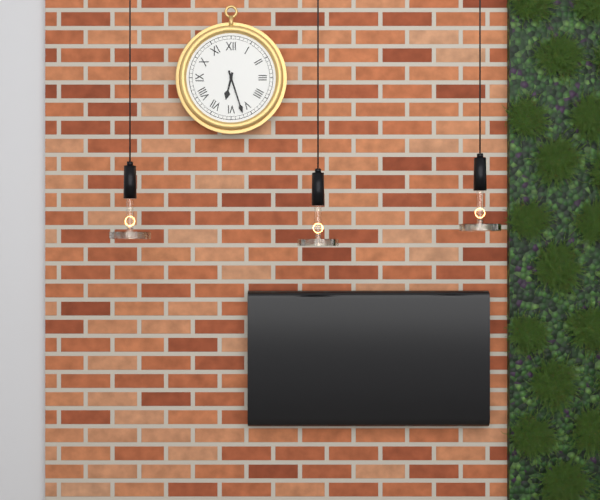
6:27
